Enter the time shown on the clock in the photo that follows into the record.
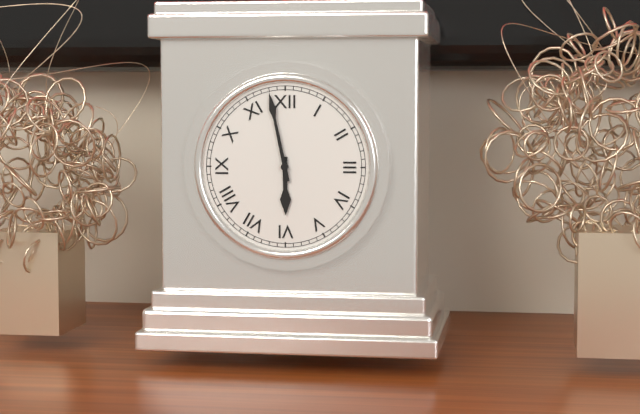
5:58
